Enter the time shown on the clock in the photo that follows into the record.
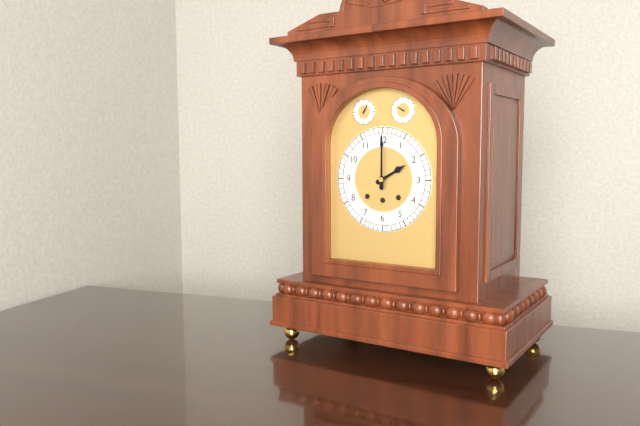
2:00
